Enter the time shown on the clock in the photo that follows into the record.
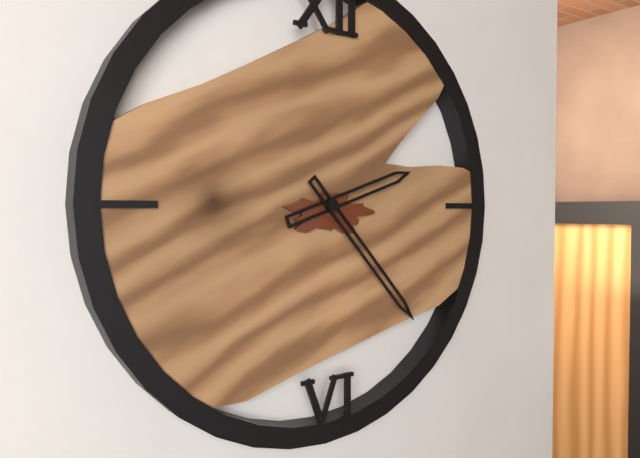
2:23
